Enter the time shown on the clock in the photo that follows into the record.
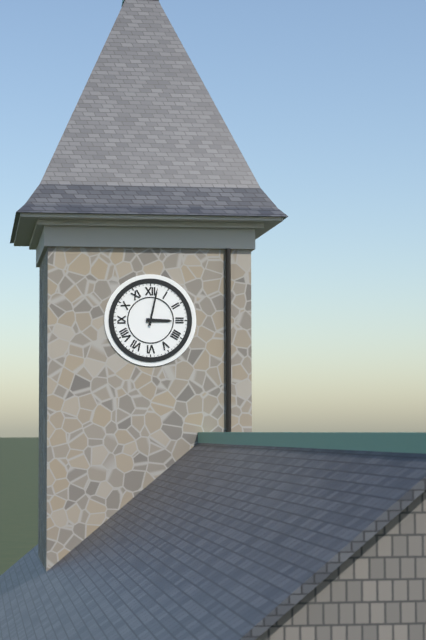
3:02
